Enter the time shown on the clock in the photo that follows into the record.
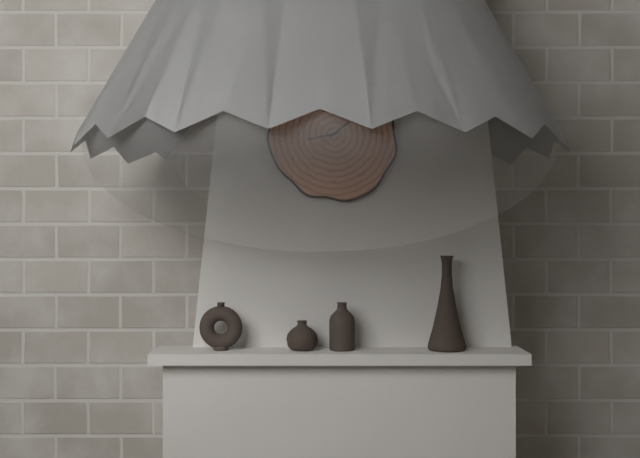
1:43
